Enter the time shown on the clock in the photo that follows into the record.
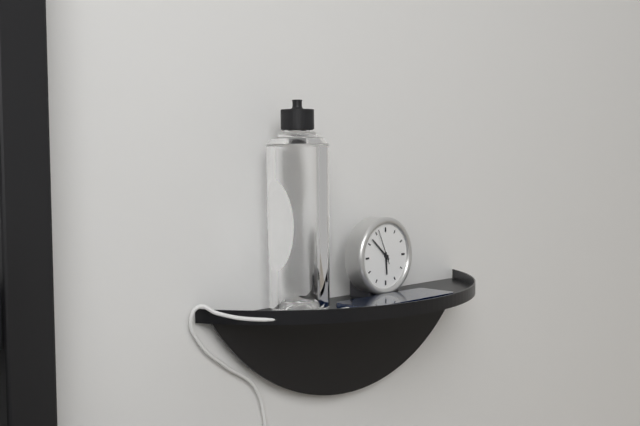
5:52
